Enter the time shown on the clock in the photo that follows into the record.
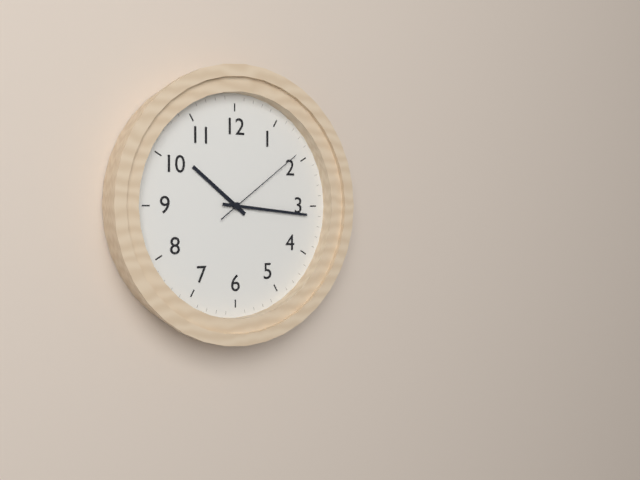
10:16:09
